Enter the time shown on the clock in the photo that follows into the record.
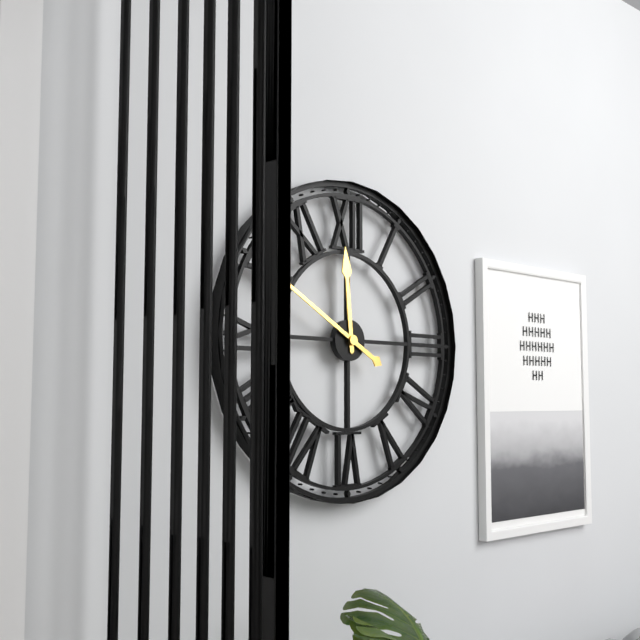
11:50
